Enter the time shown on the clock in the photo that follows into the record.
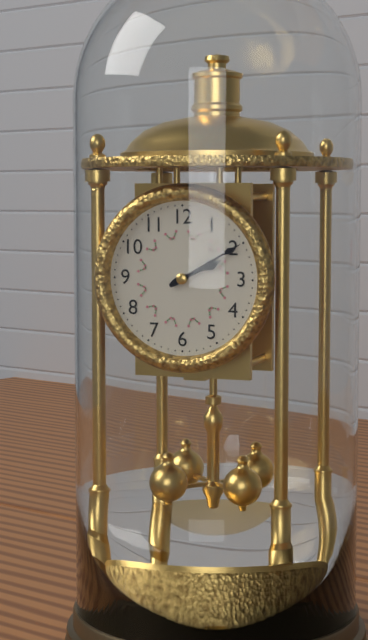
2:10
